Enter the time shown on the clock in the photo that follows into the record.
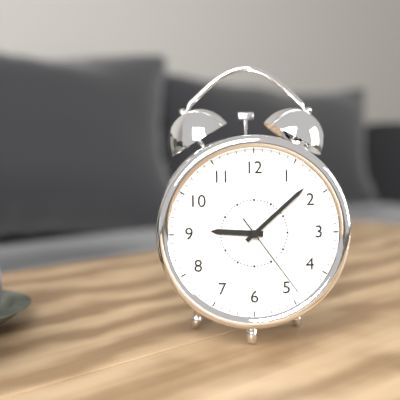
9:08:24
